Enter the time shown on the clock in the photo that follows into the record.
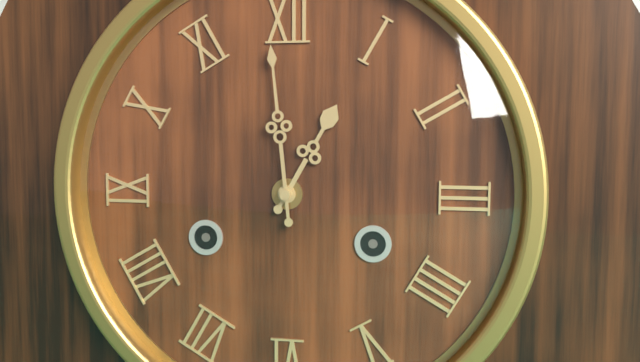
12:59
